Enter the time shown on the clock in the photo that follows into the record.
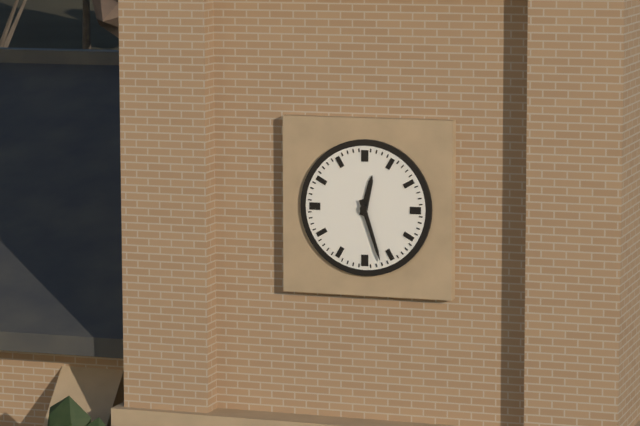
12:27
